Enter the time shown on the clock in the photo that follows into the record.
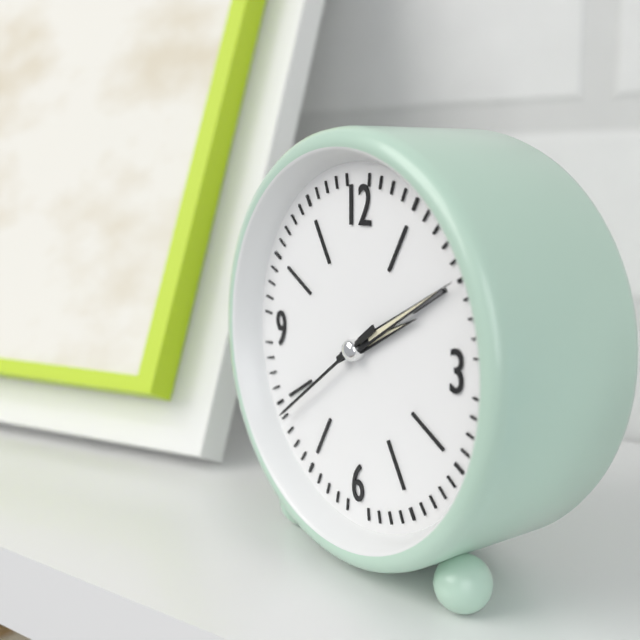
2:10:39
